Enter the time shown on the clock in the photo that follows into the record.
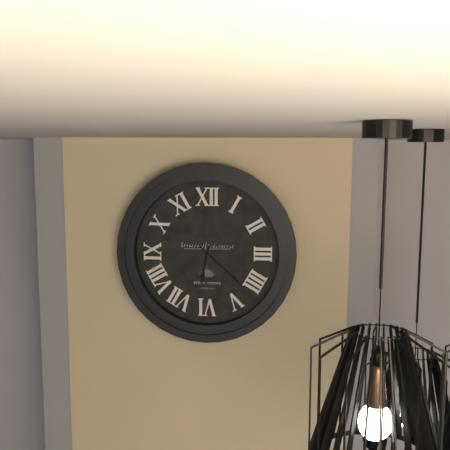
6:22
